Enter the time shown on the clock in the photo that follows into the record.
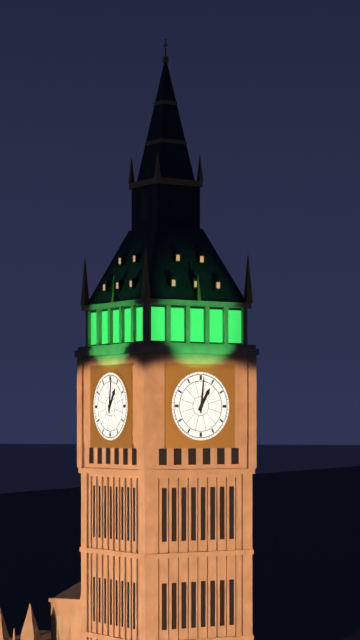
1:01
